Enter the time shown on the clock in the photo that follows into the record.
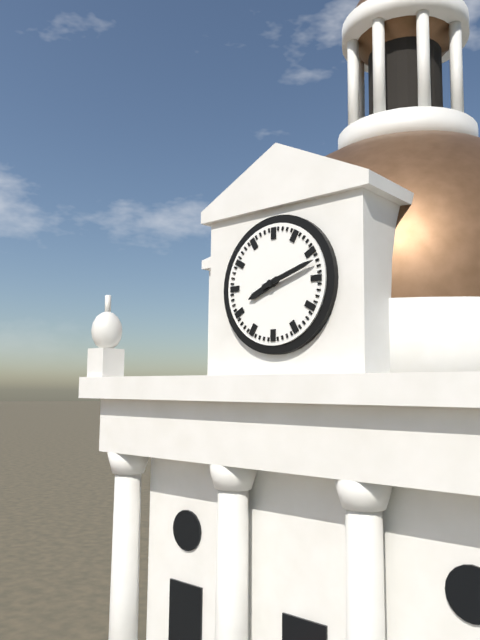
8:12
